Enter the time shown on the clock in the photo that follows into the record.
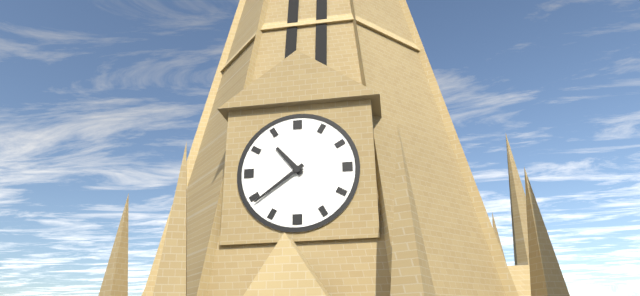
10:39
